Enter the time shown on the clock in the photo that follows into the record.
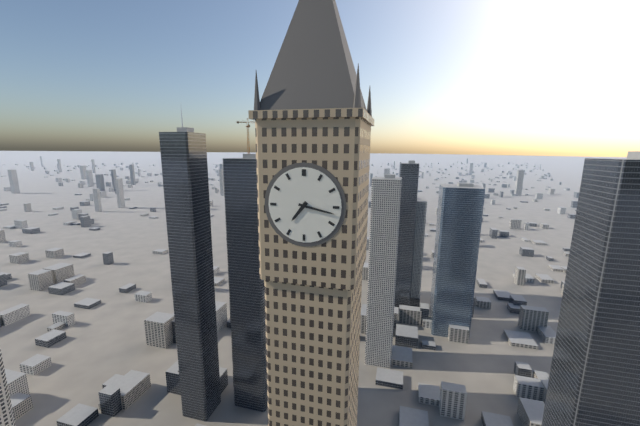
7:17
